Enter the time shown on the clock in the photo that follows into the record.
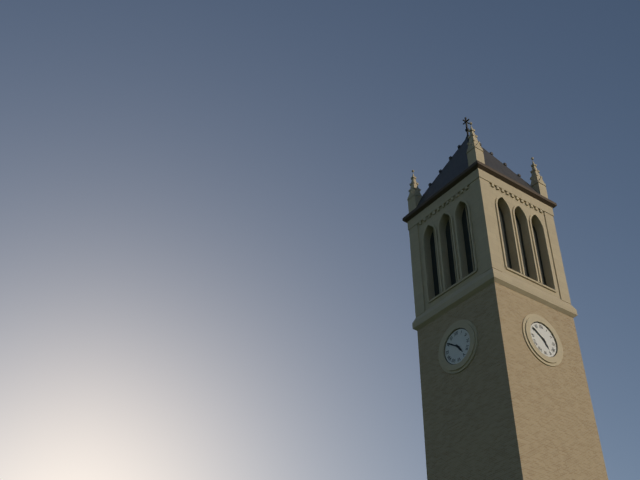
4:51
